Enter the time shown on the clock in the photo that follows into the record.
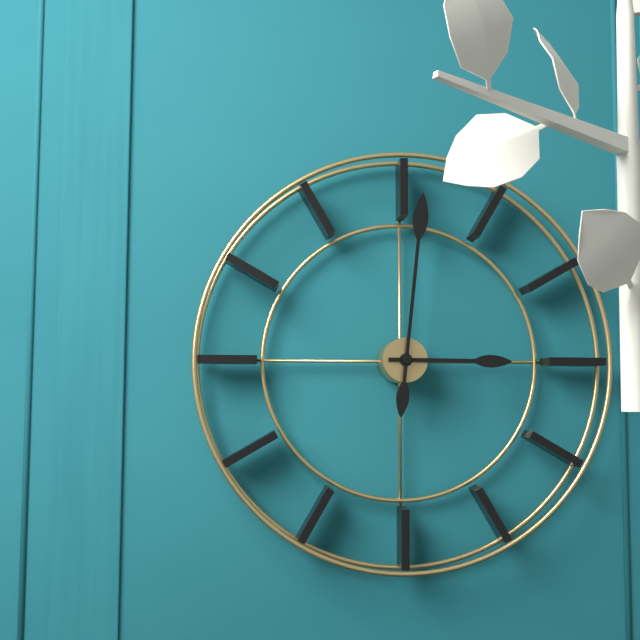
3:01
